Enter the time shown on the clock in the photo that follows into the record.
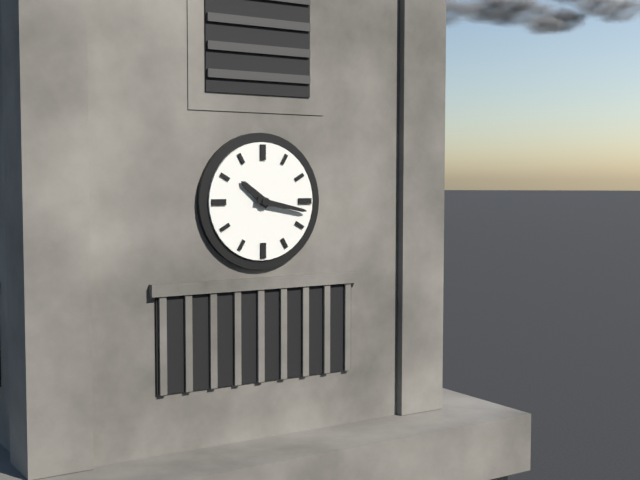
10:17
